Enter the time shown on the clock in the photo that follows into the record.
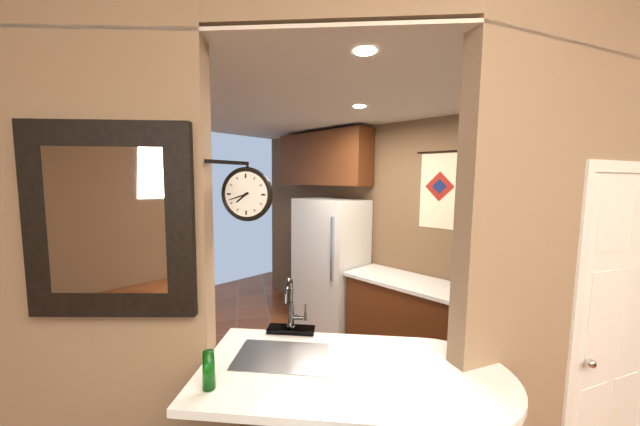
7:42
